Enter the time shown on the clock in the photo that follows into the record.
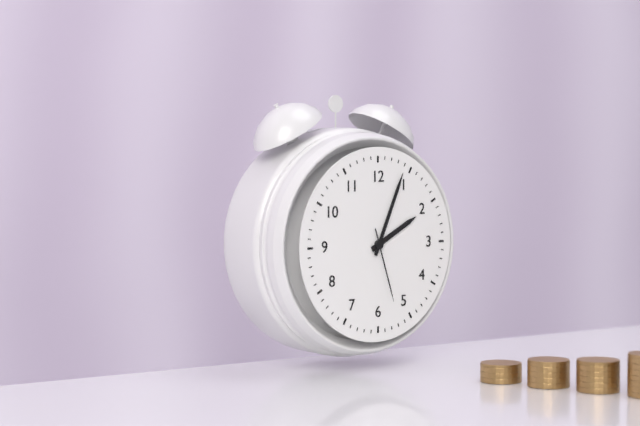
2:04:27
